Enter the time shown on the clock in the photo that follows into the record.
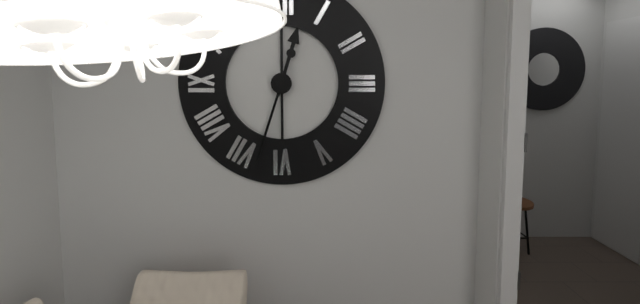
12:33
